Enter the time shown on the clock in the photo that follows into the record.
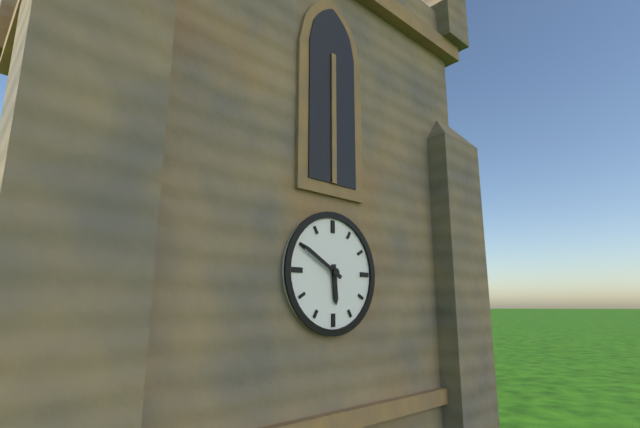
5:50
